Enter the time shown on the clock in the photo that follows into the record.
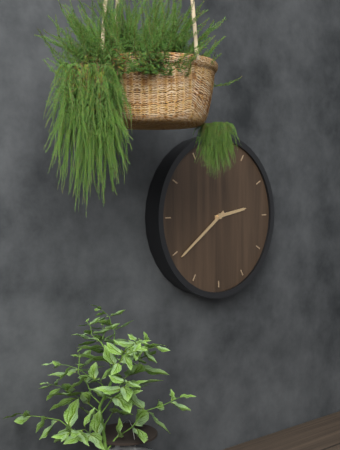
2:39
